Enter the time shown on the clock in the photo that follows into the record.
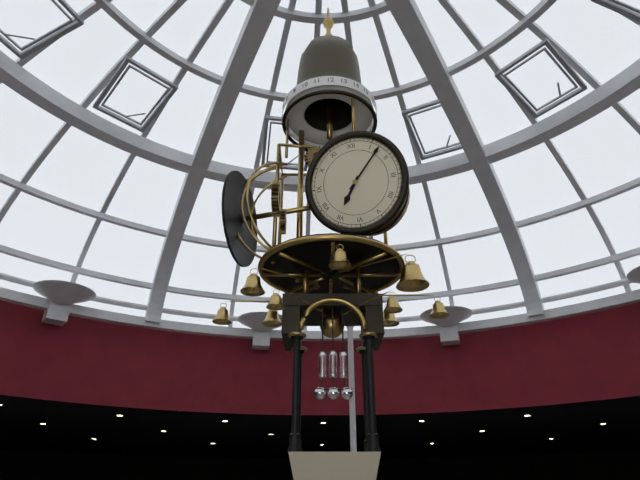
7:07
